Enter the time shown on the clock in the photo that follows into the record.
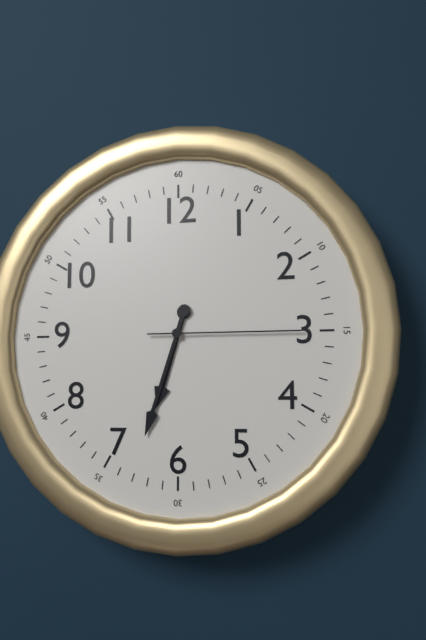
6:33:15
